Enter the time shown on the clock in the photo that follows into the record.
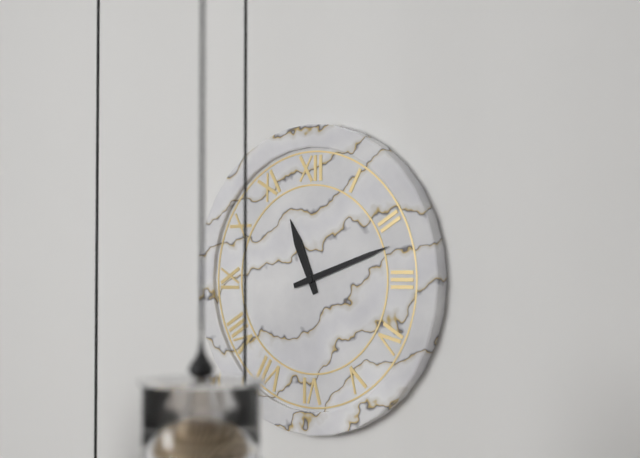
11:12
